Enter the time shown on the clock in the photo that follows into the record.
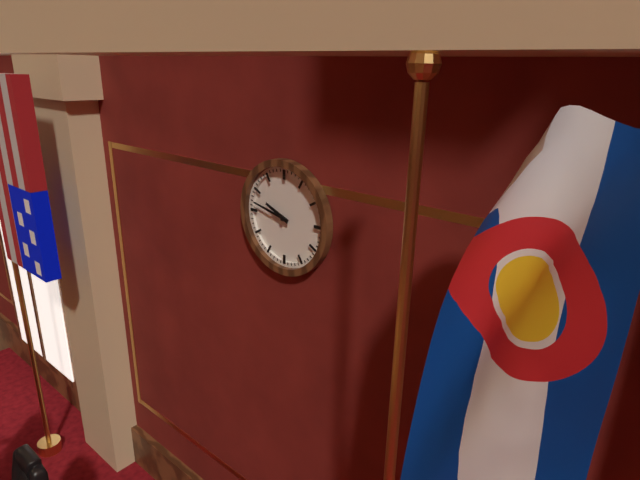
9:47
